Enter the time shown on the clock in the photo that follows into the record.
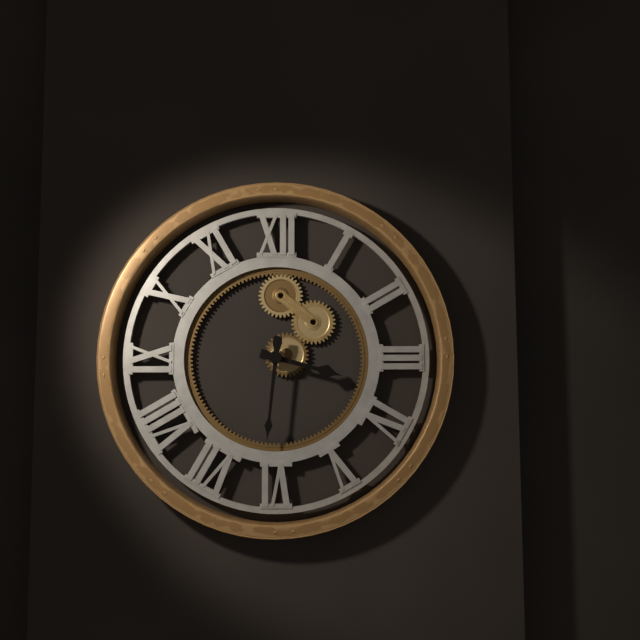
3:31
